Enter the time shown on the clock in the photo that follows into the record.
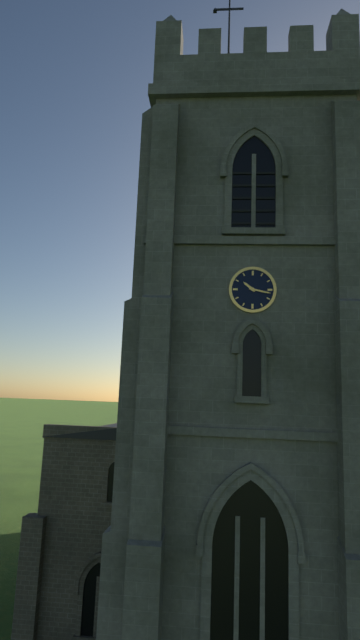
10:17
